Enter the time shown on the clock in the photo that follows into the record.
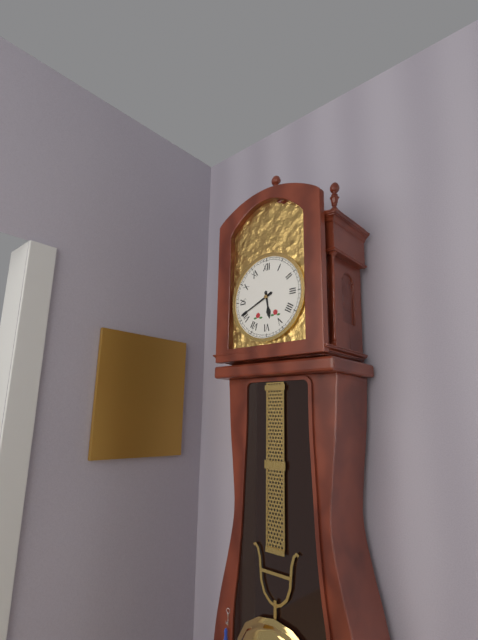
5:41
